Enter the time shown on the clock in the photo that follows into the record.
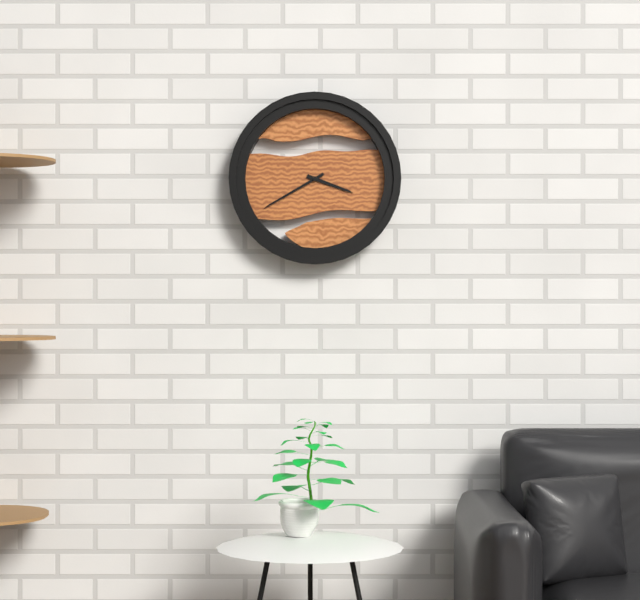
3:40
